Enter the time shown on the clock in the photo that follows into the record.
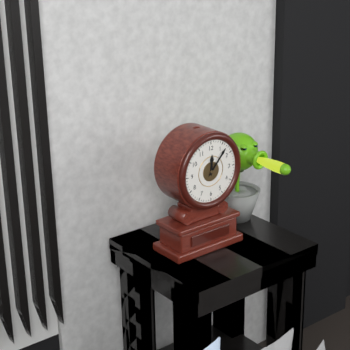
12:07
